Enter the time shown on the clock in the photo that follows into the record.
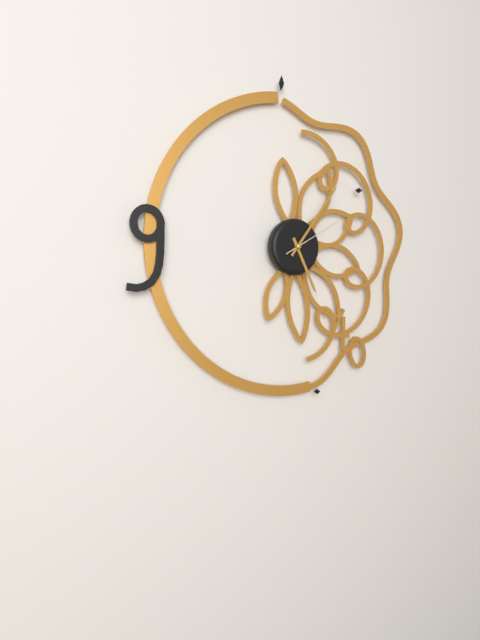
5:06:10
